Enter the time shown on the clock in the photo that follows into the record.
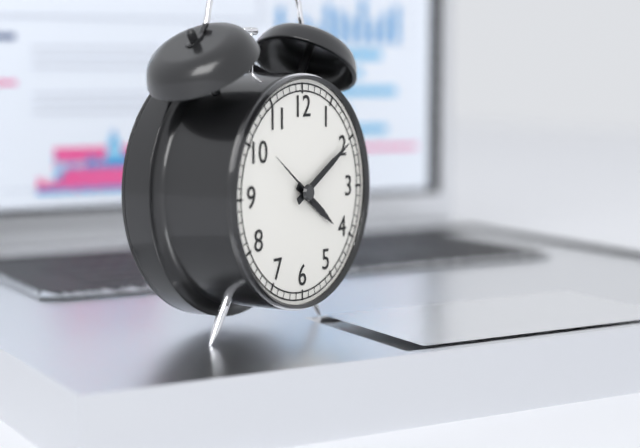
4:10:51
